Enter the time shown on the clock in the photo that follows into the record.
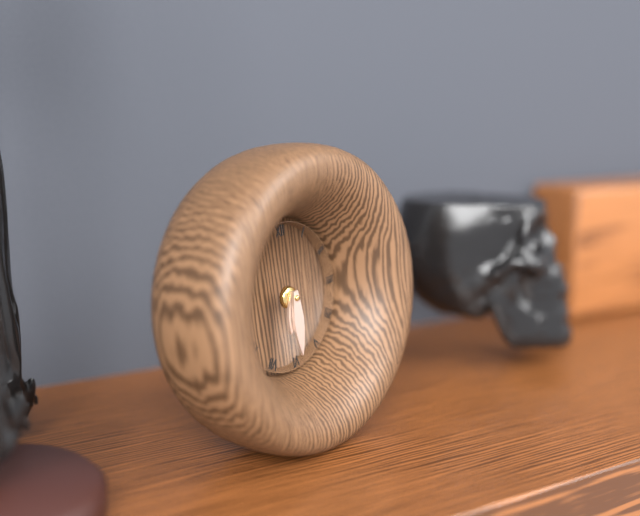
6:30
